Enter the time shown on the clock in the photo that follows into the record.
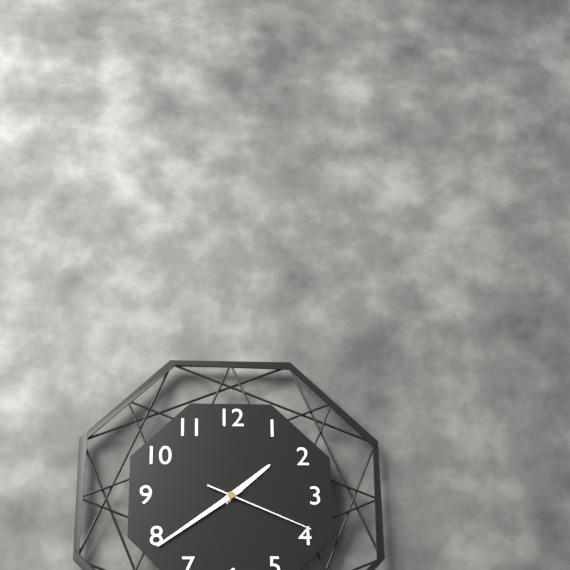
1:39:19
